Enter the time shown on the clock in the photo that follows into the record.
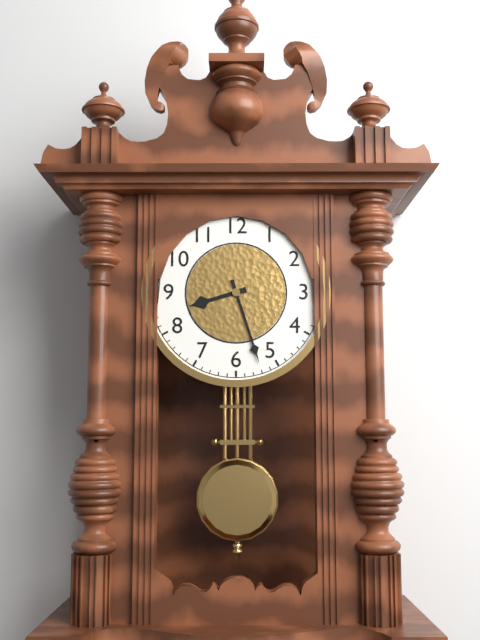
8:27
